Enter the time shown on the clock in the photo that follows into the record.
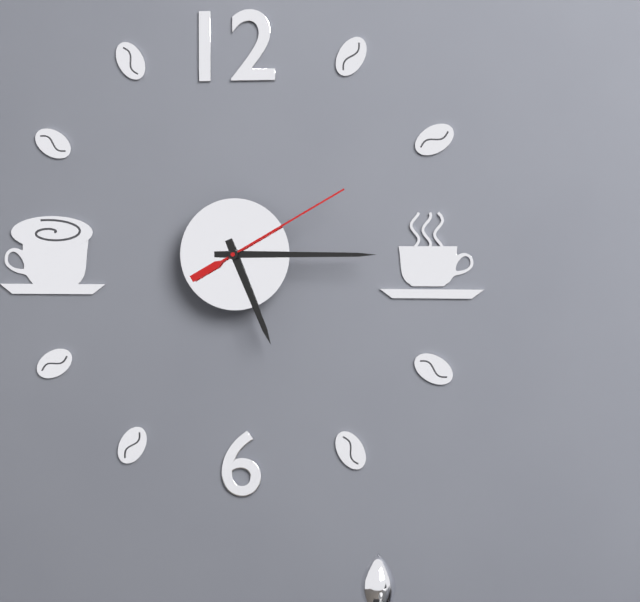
5:15:10
